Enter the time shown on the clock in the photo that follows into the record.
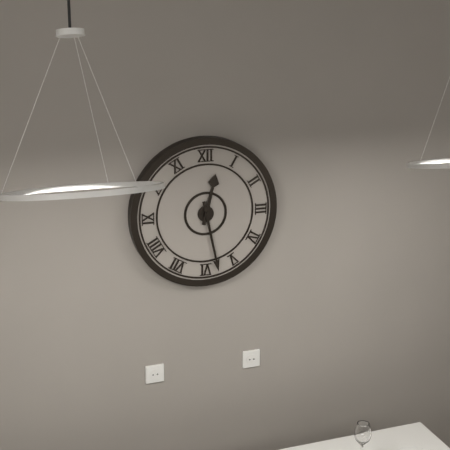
12:28
